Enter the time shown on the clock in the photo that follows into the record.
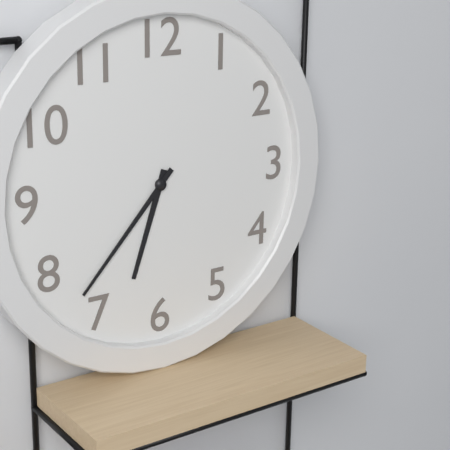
6:37
